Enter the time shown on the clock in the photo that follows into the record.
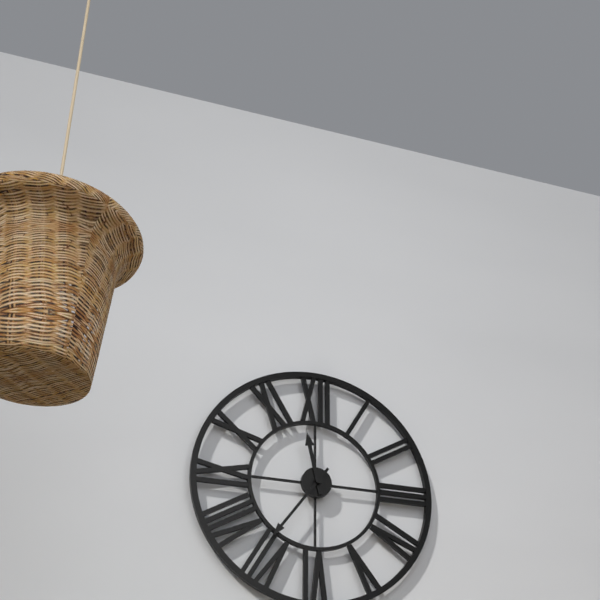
11:36
